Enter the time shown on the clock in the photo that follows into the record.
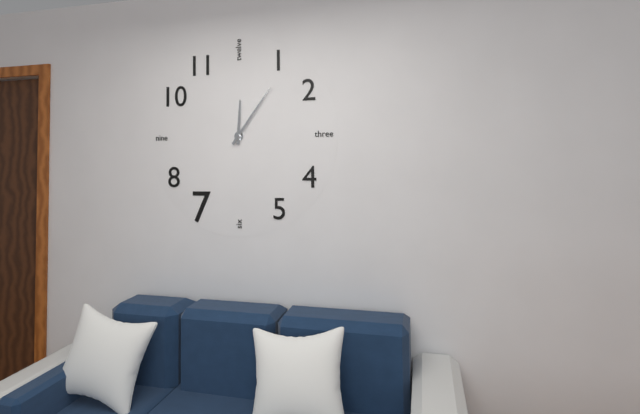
12:06
